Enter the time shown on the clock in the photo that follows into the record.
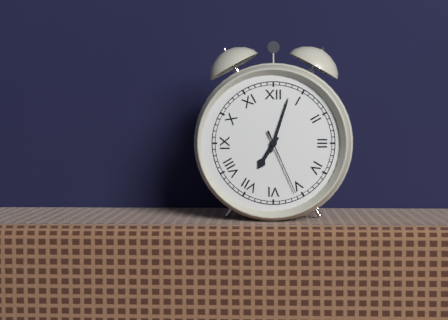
7:03:26
